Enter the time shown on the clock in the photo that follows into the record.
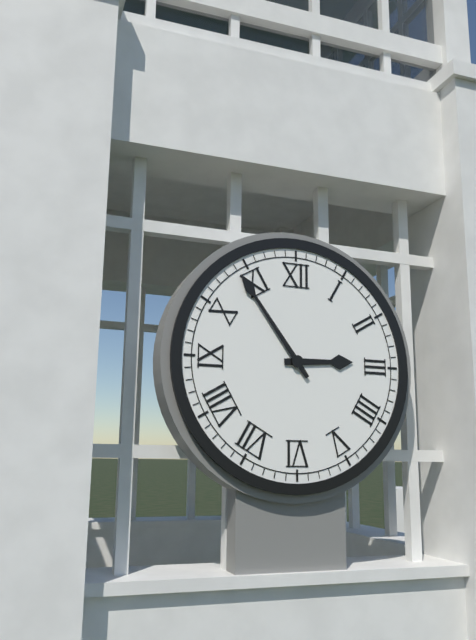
2:54
